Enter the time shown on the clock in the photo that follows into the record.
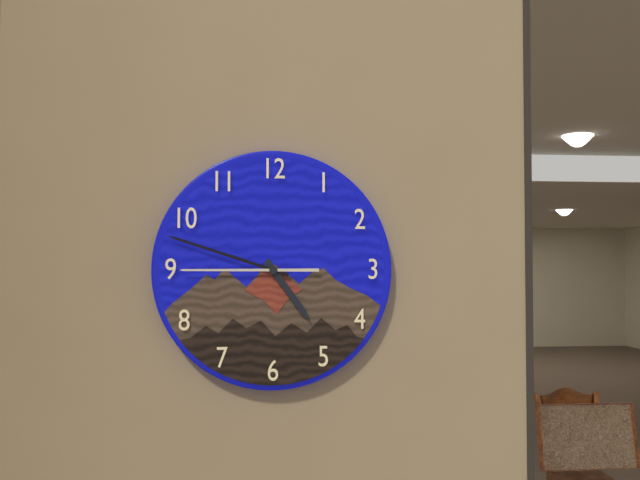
4:48:45
